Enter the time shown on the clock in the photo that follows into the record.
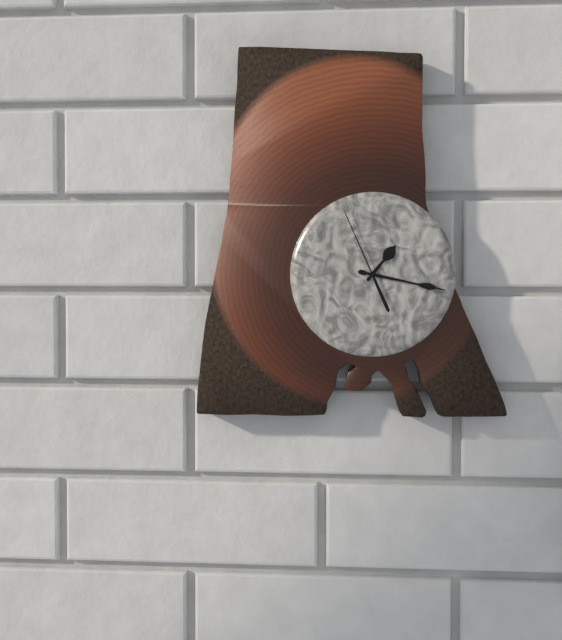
1:17:56
